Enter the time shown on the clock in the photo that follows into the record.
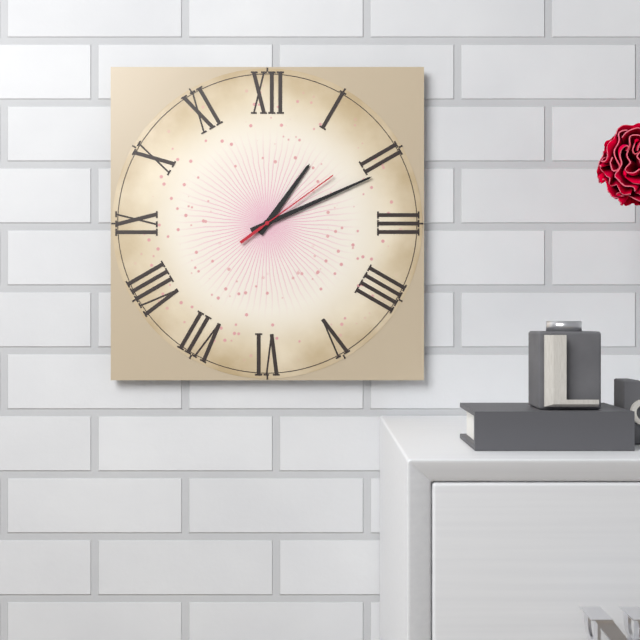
1:11:09
